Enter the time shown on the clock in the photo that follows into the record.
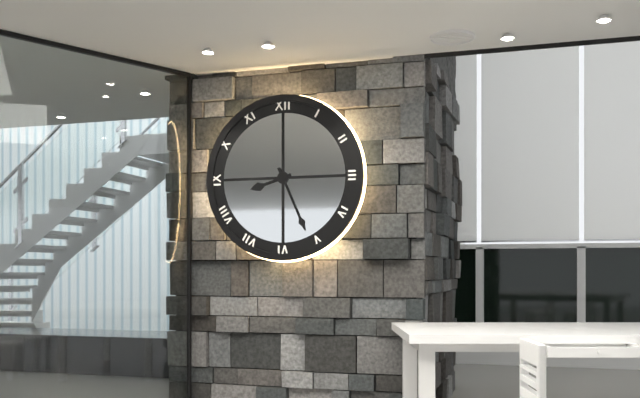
8:26
